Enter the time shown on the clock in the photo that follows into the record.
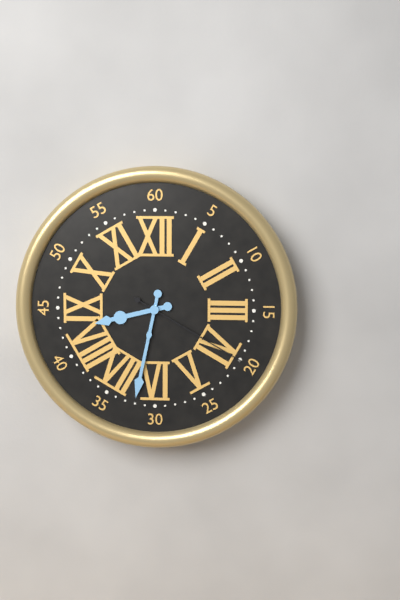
8:32:20
